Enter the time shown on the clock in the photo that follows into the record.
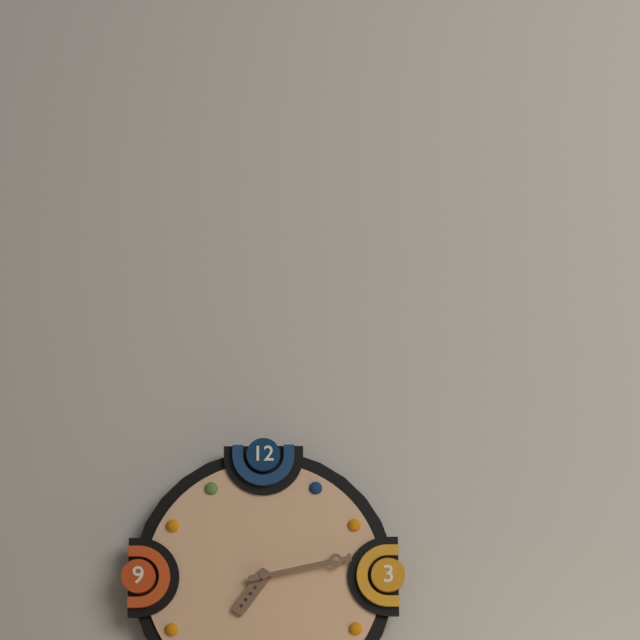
7:13
